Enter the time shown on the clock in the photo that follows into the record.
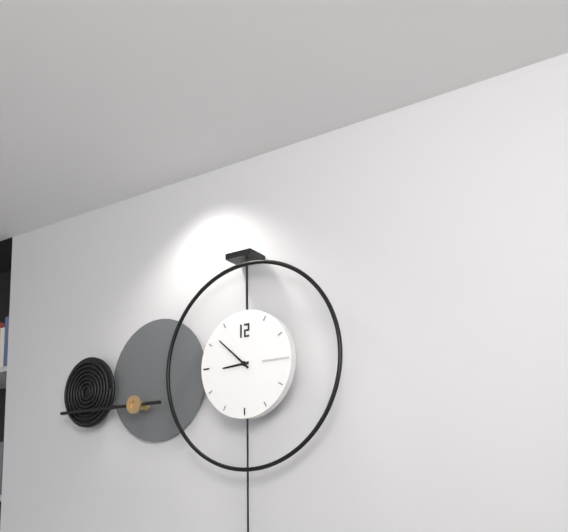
8:52
